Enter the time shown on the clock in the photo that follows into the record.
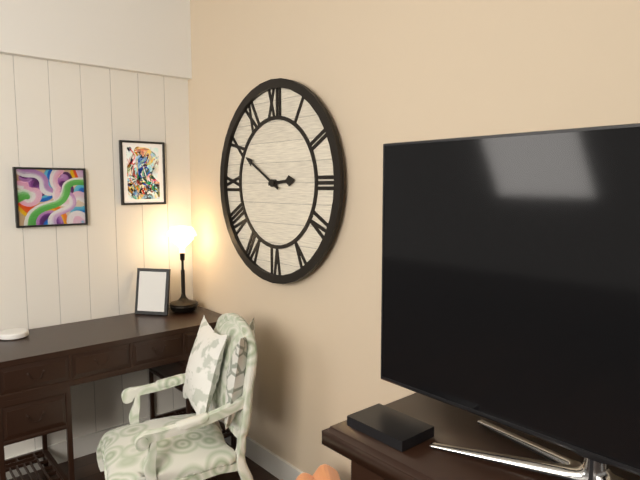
2:50
